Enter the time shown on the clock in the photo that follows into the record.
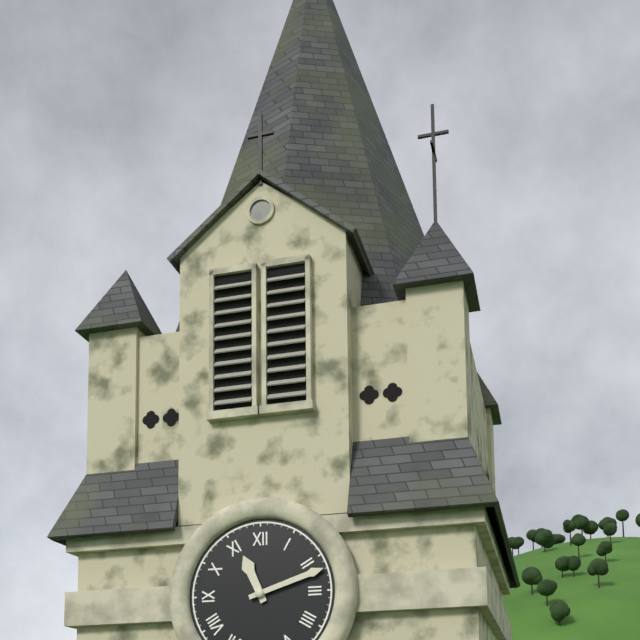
11:12
